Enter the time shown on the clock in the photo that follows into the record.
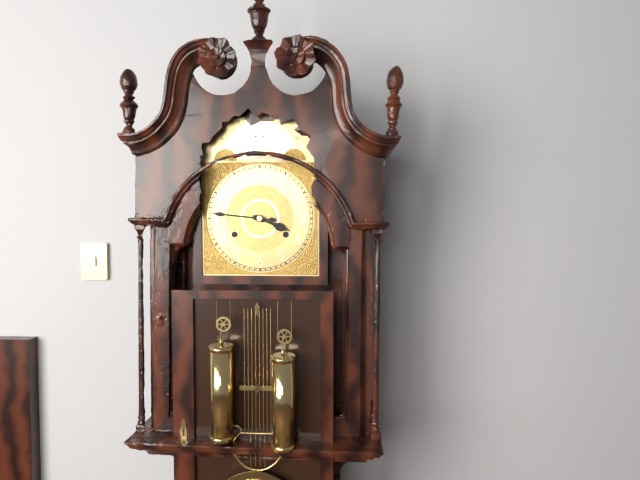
3:46
